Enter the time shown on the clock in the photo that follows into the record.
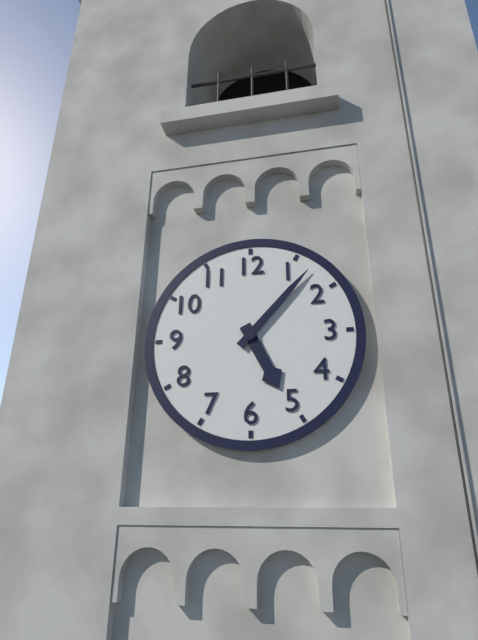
5:07
